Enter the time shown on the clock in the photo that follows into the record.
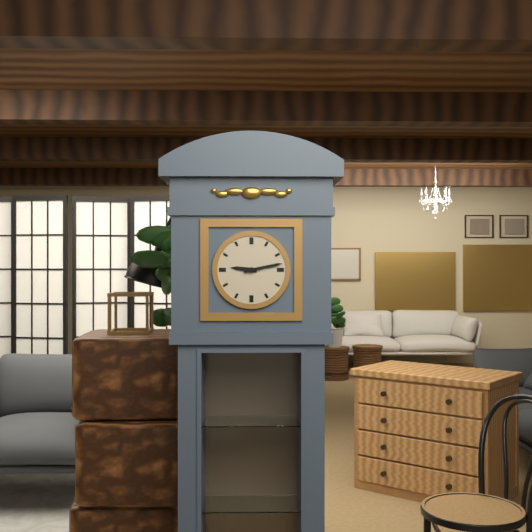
9:13
